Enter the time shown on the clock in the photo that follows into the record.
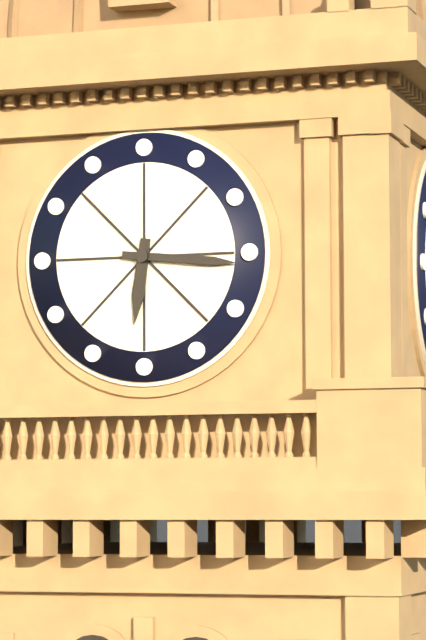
6:16
